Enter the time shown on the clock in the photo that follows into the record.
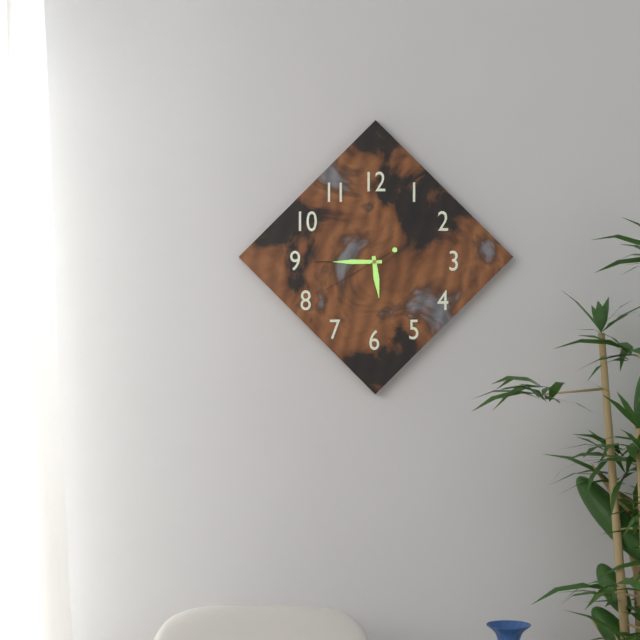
5:45:40
